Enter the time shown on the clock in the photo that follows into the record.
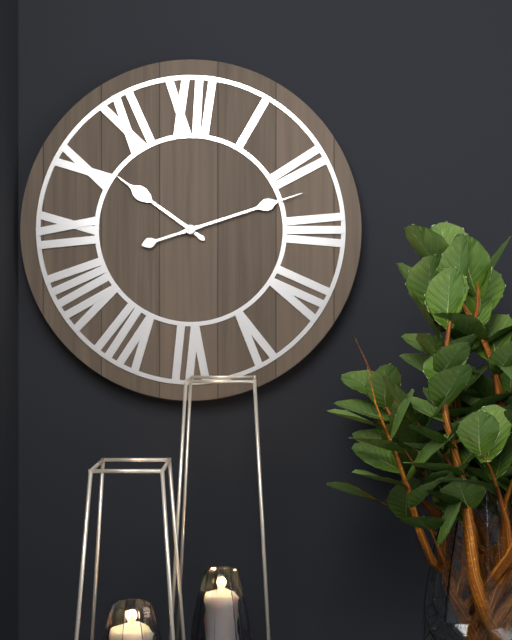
10:12
